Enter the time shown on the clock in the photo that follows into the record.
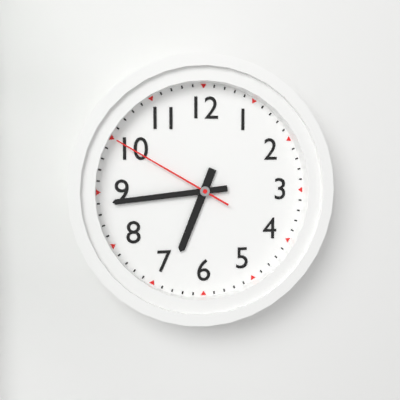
6:44:50
